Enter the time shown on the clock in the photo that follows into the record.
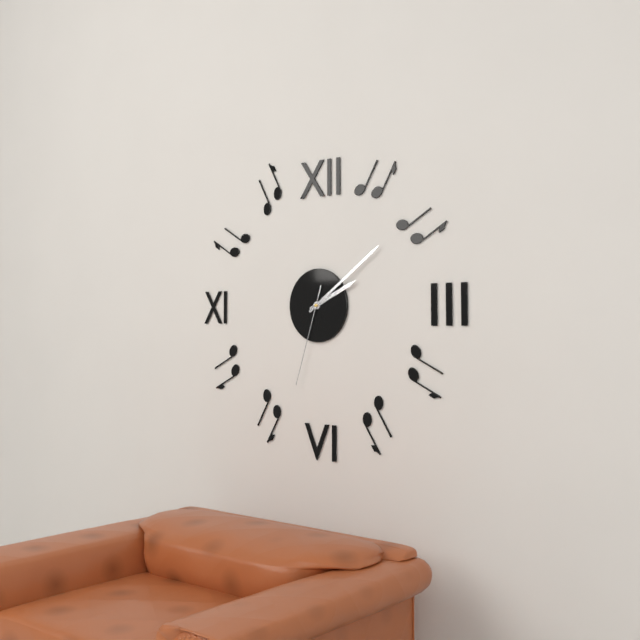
2:09:33
